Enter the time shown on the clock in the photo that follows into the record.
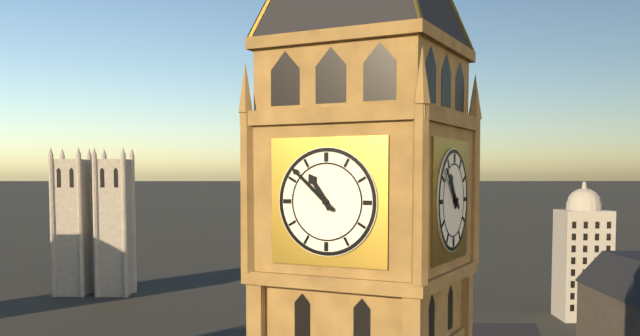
10:52
